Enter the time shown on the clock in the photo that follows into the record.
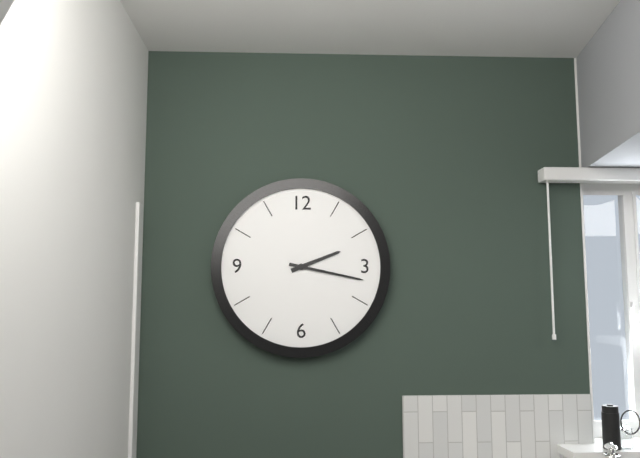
2:17
